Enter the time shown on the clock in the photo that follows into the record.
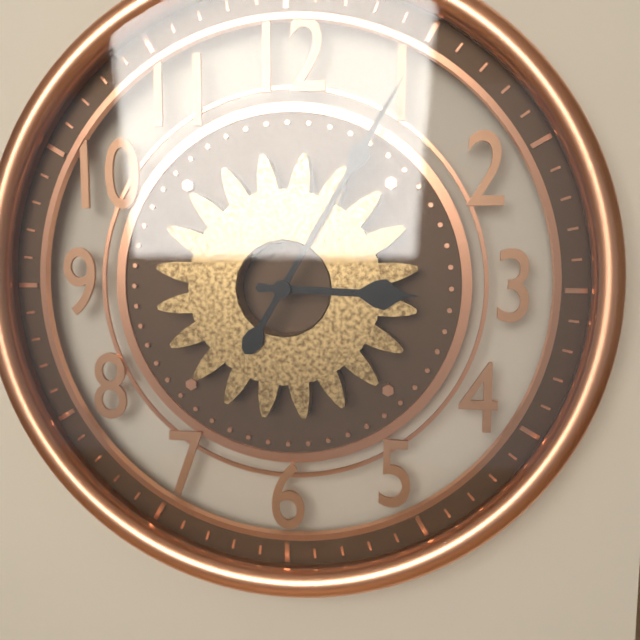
3:05
